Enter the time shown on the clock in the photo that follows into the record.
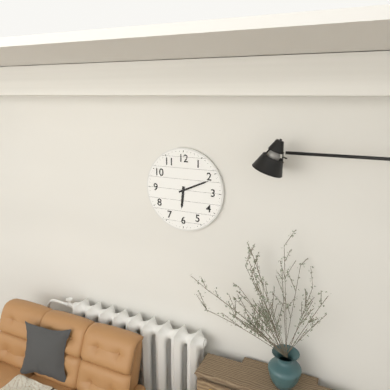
6:11
